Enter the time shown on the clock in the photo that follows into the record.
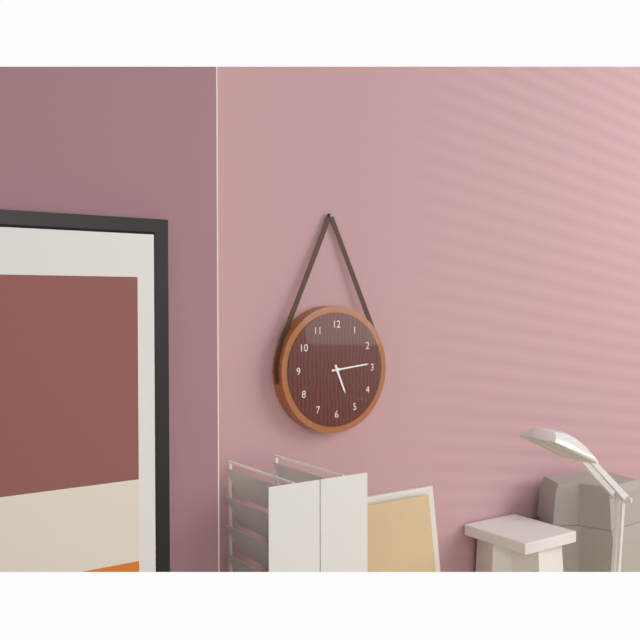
5:14
